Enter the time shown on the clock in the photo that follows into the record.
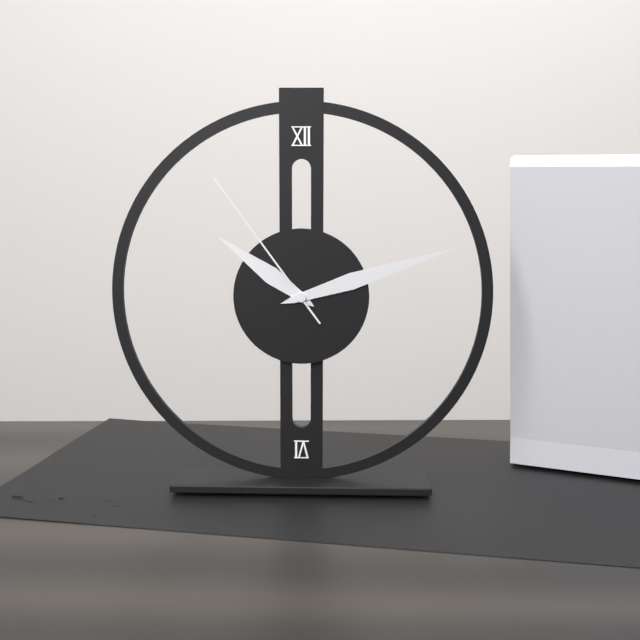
10:12:54
